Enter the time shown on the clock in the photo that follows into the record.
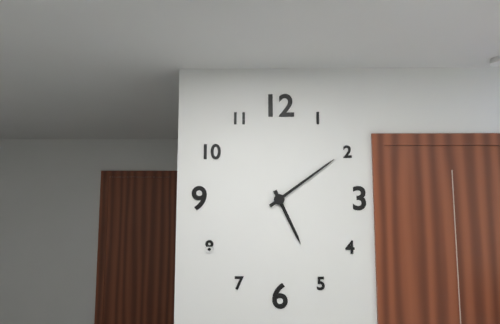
5:09
